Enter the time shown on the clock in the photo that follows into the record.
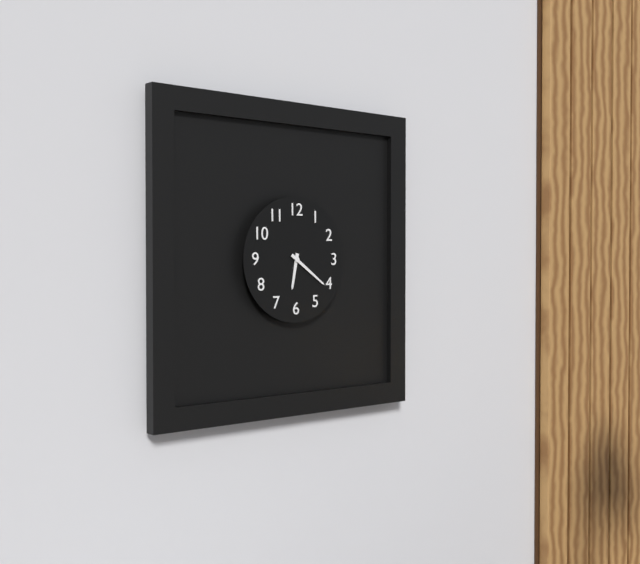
6:21
